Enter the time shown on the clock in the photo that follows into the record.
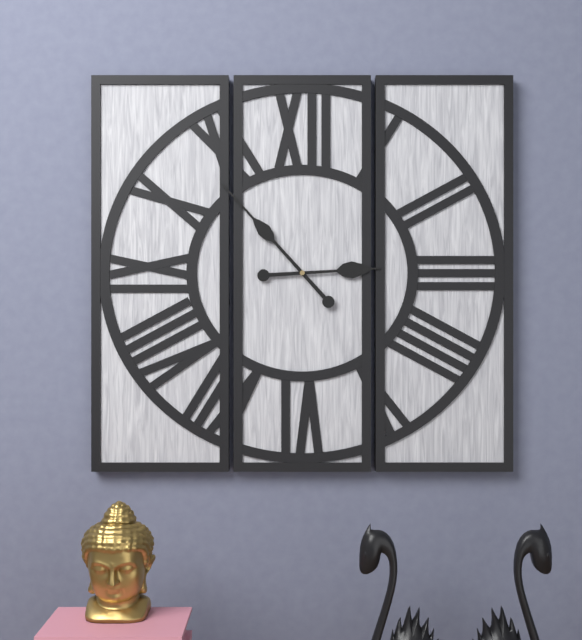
2:53
